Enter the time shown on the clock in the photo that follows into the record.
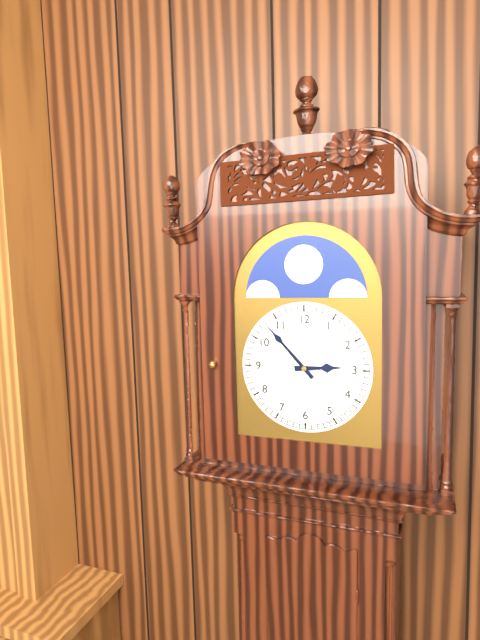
2:53
